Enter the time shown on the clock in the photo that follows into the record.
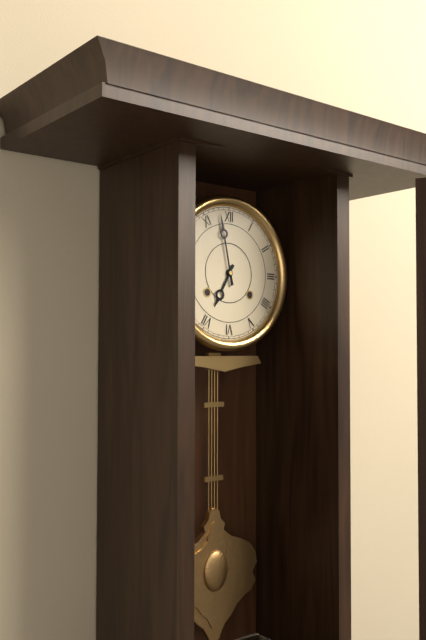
6:58
